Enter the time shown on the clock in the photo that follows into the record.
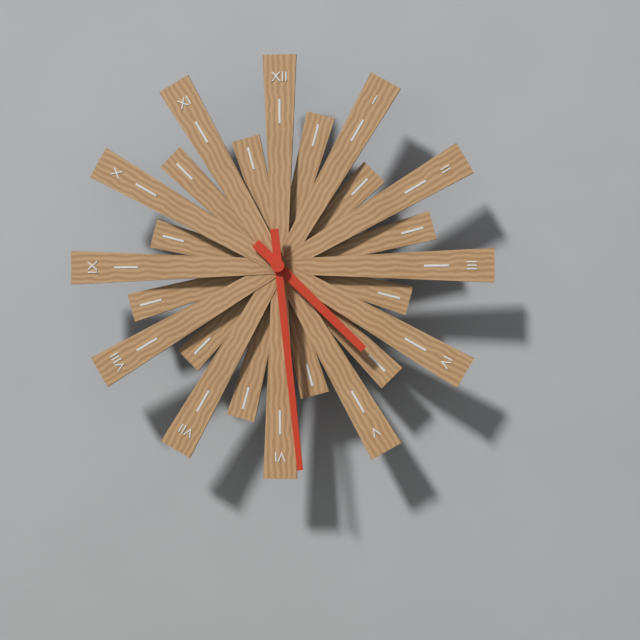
4:29
